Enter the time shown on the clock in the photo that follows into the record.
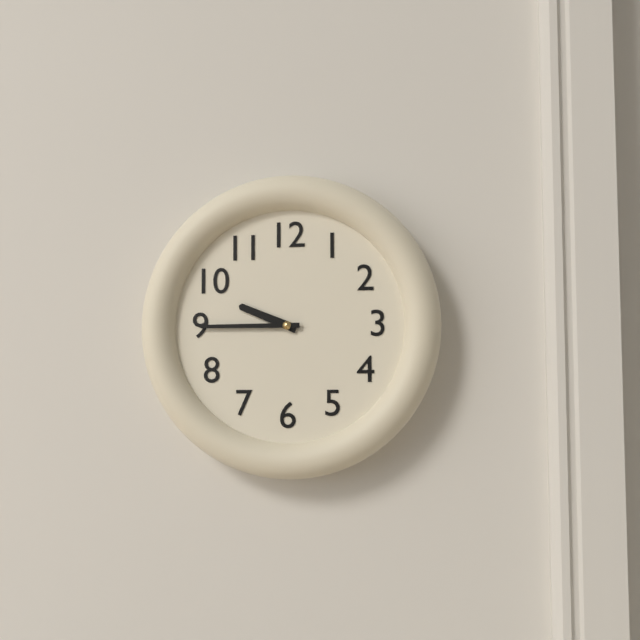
9:45
